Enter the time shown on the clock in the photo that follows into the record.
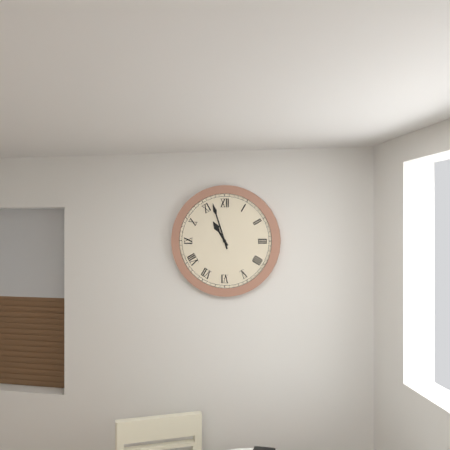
10:57
